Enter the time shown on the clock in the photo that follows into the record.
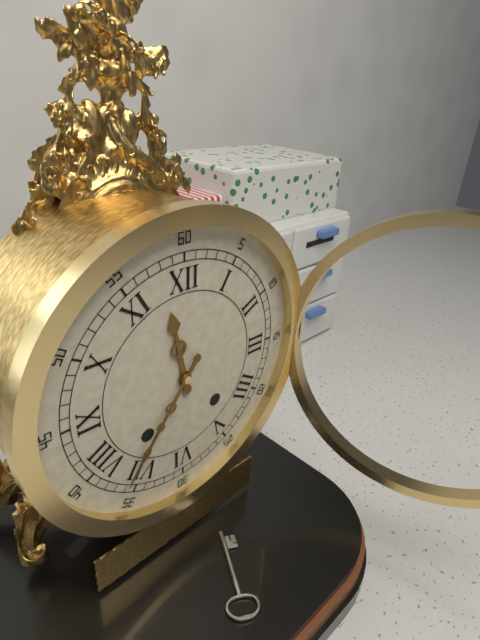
11:36
